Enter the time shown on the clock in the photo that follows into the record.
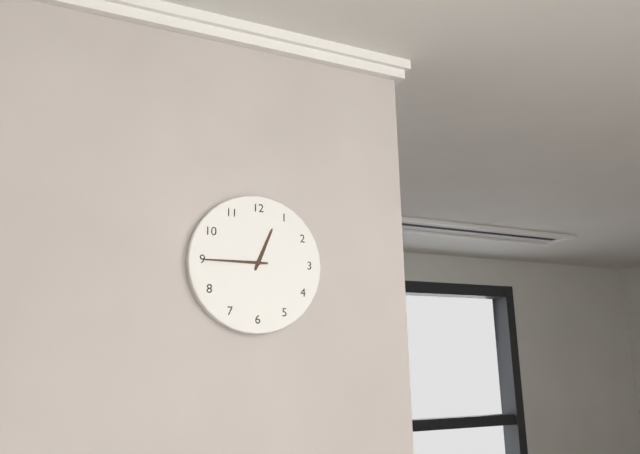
12:45
